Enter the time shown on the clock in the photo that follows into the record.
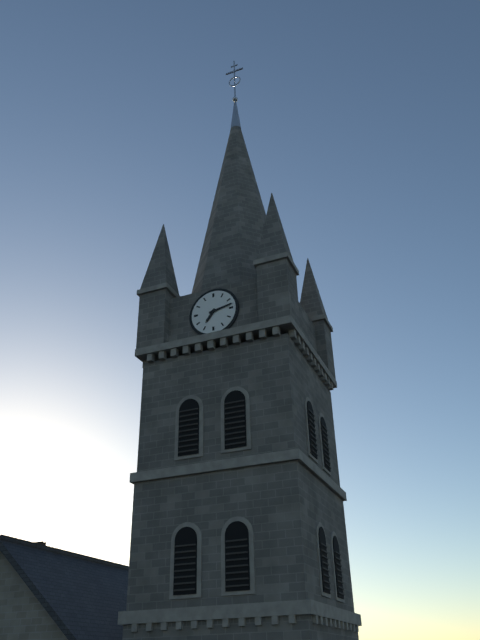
7:13
